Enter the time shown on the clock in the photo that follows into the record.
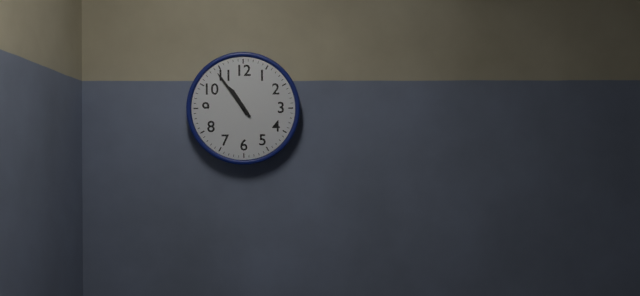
10:54
